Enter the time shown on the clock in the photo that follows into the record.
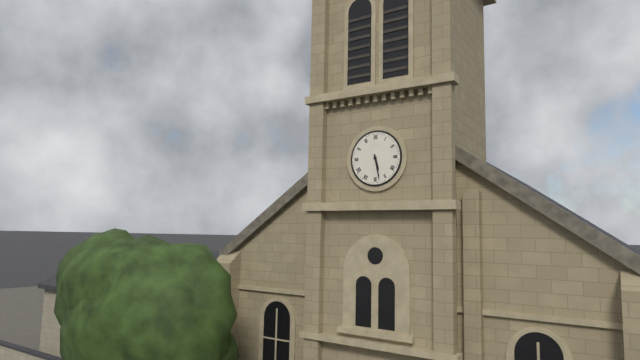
5:28
